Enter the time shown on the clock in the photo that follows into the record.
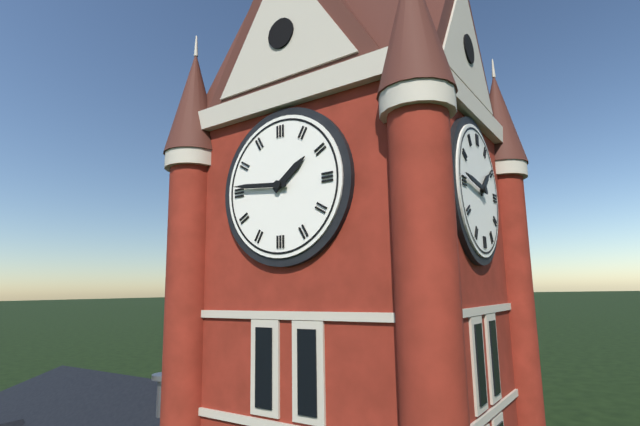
1:46
